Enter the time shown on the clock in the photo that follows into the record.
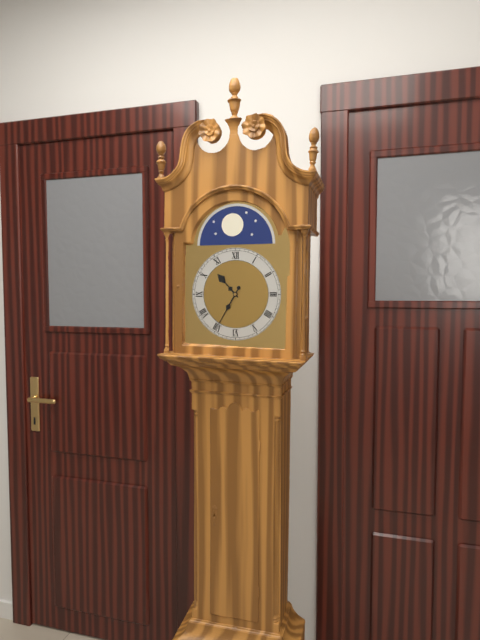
10:35
